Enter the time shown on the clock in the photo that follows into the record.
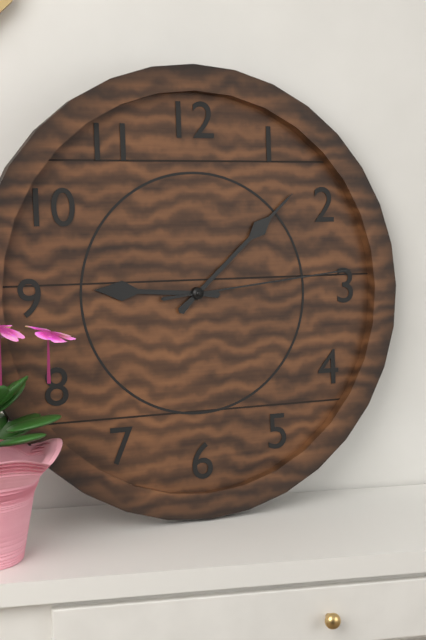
9:08:14
